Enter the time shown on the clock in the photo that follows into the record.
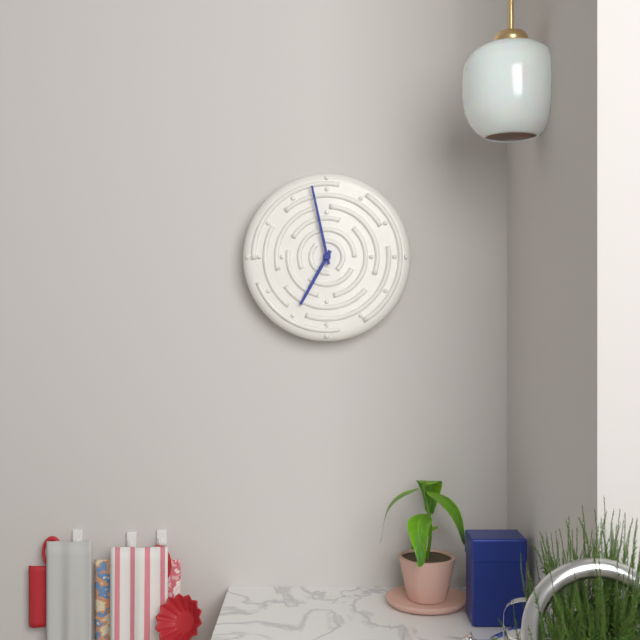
6:58
